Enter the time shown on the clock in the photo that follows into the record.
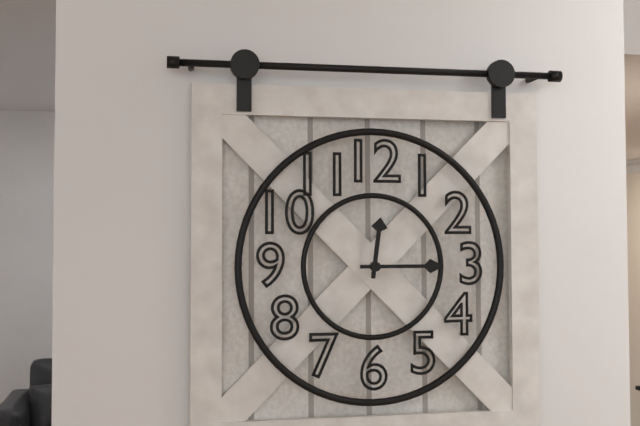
12:15
